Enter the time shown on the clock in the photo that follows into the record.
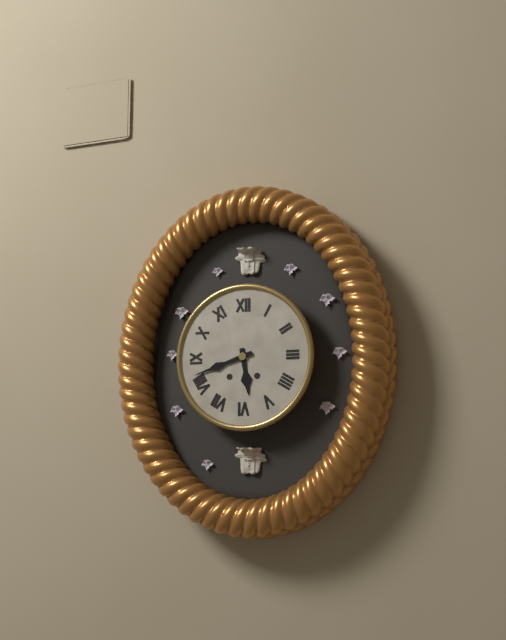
5:42
